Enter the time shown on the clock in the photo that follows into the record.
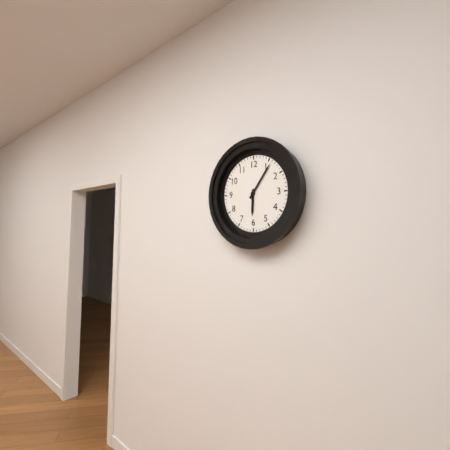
6:06
